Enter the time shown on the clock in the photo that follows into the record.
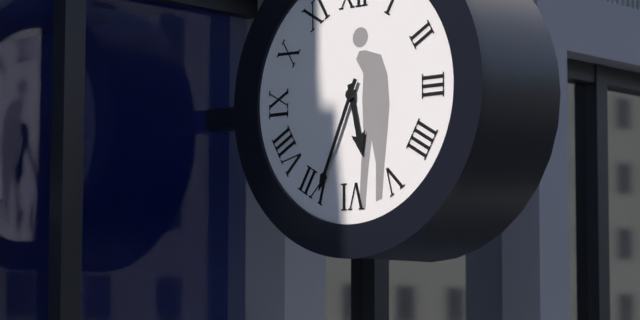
5:34
